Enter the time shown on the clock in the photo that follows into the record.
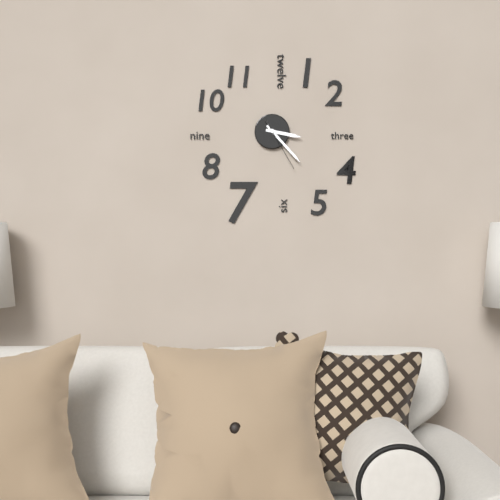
3:23:25
